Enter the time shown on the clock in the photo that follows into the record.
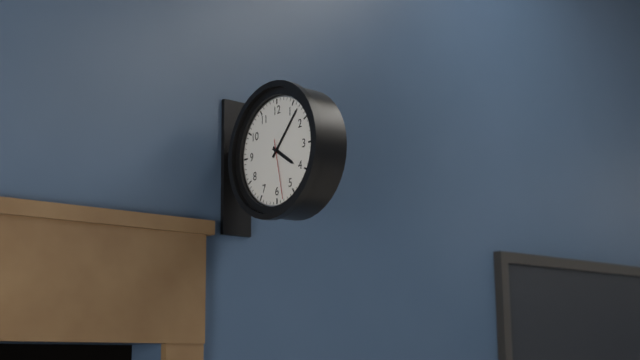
4:07:28
